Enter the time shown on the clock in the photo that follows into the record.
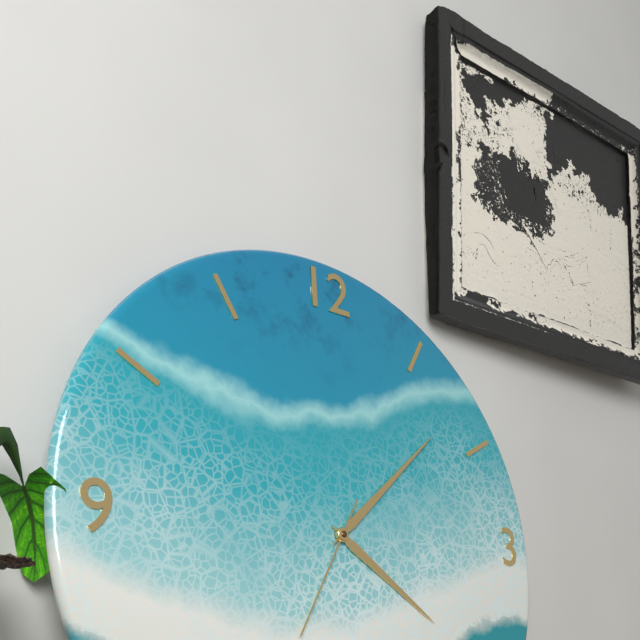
4:08:35
